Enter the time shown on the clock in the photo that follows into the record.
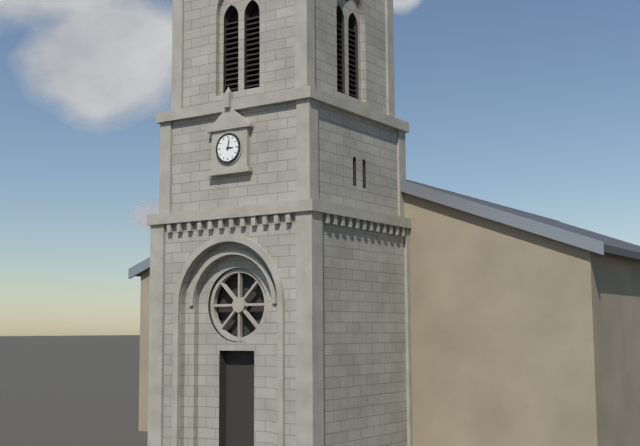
3:02
